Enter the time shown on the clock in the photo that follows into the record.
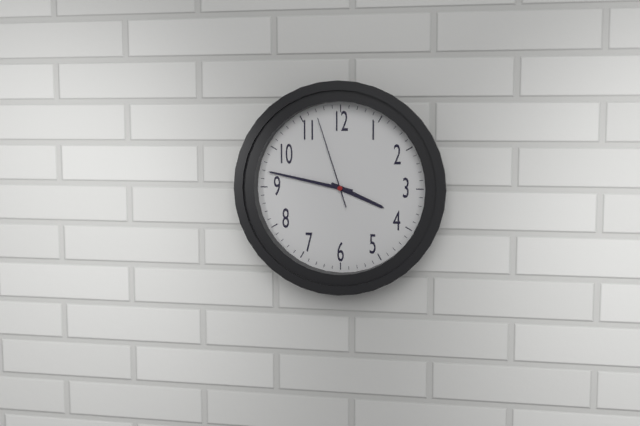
3:47:57
